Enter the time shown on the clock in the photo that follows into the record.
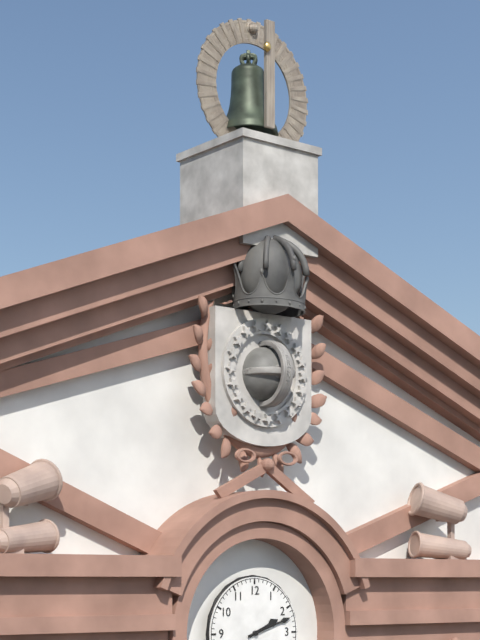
2:12
